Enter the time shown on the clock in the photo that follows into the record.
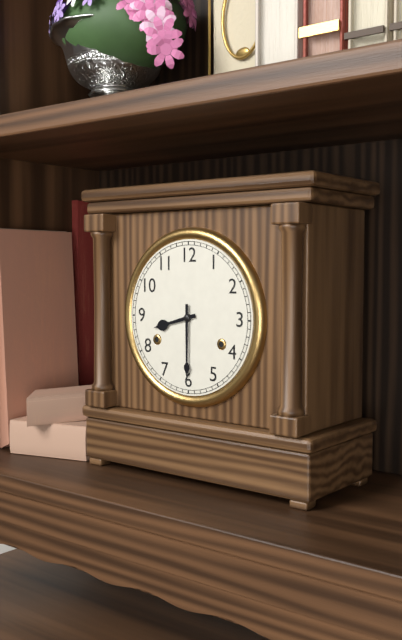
8:30
